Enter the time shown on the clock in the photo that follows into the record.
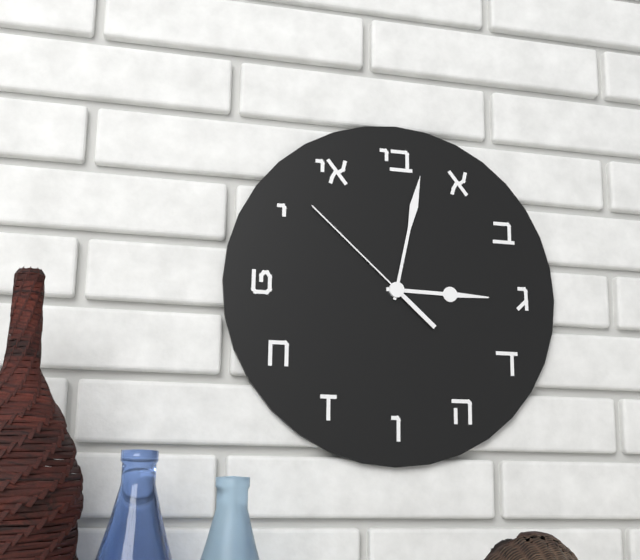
3:02:52
